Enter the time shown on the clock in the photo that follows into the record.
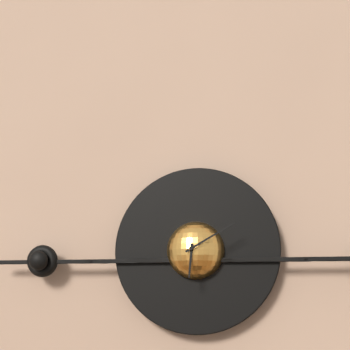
6:10
